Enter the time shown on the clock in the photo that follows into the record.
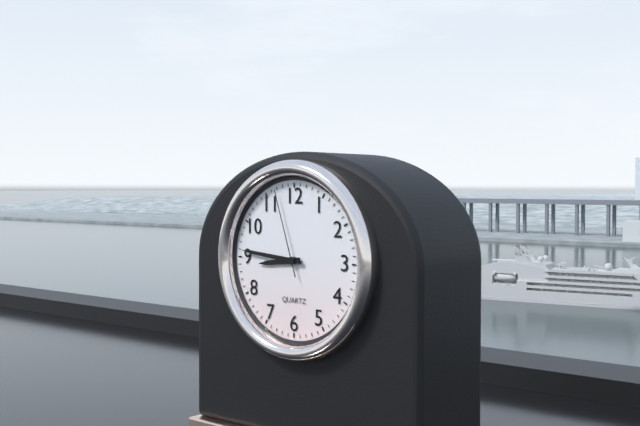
8:46:57
